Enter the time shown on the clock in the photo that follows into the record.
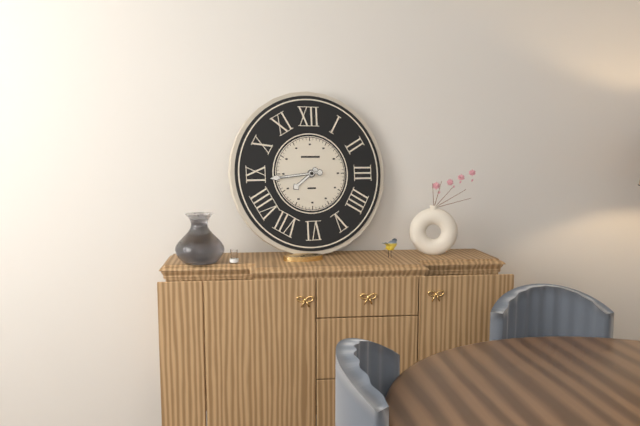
7:44
